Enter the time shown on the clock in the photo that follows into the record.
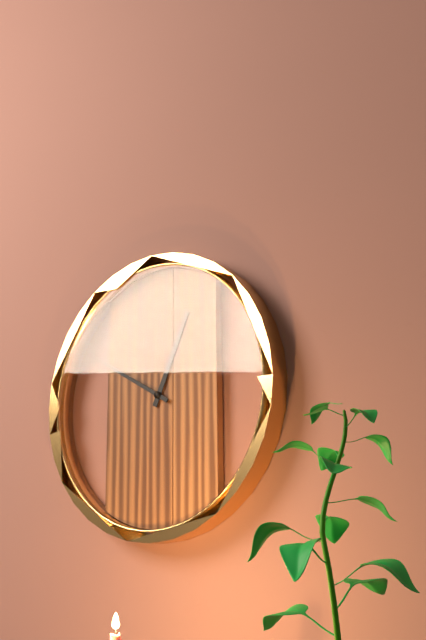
12:50
